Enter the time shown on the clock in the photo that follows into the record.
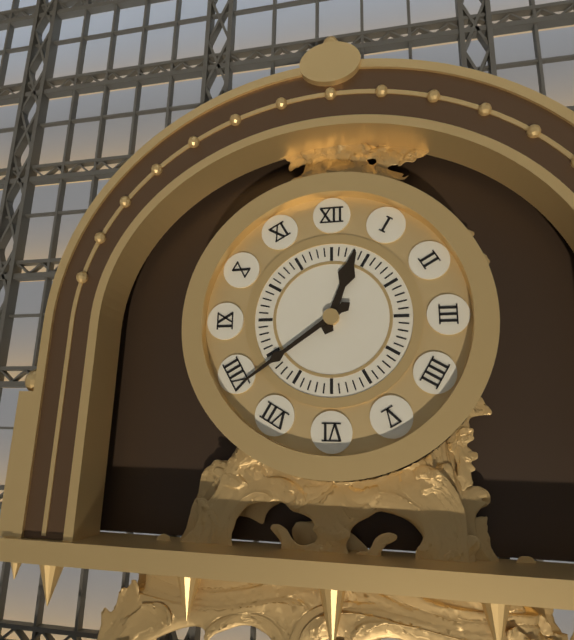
12:39
